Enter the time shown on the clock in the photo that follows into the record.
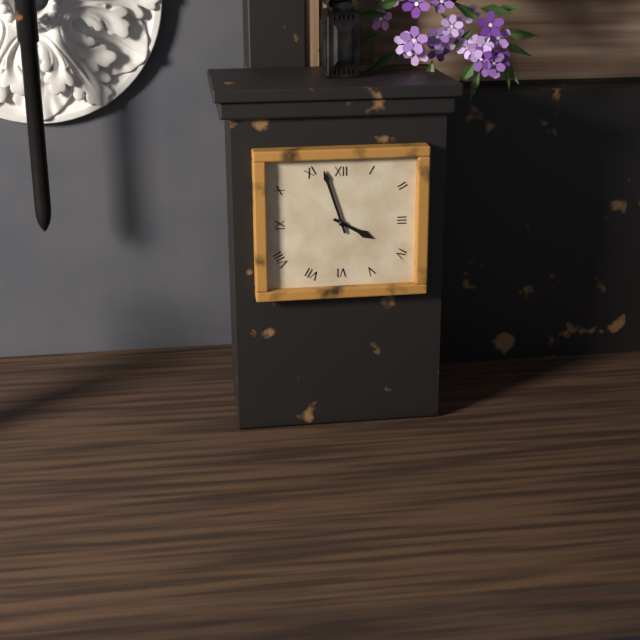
3:57
